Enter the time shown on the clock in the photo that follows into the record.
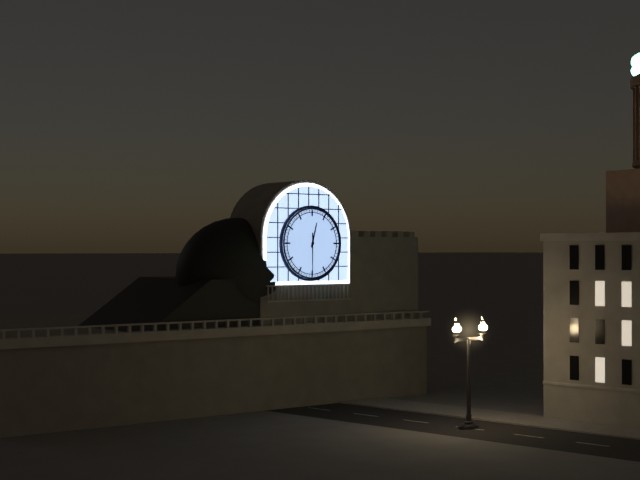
12:30
